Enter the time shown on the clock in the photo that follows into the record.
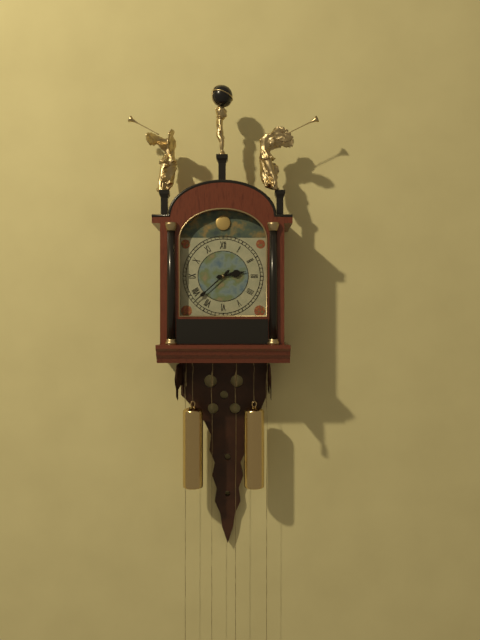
2:38
